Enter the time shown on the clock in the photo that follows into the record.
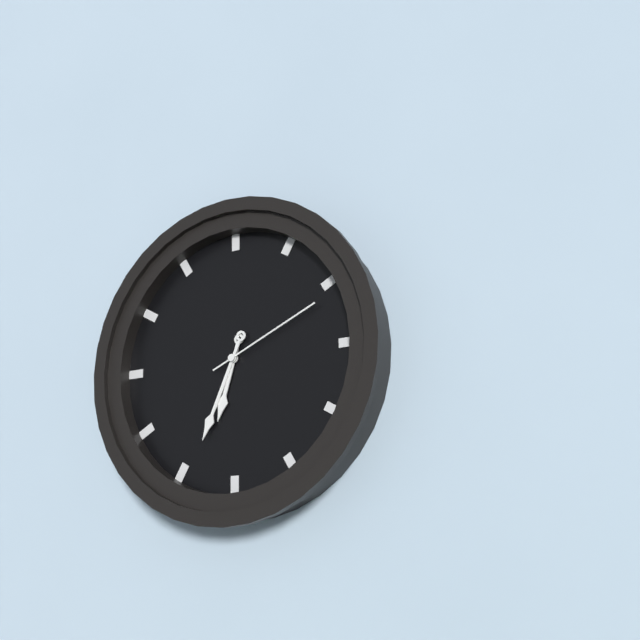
6:34:11
